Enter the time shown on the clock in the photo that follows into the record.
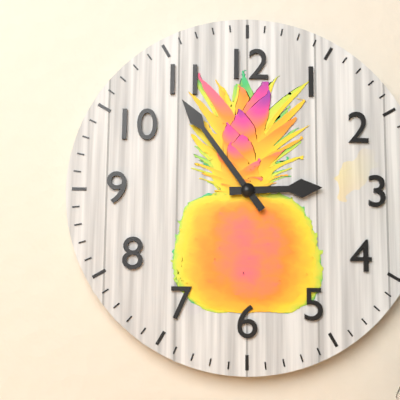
2:54
